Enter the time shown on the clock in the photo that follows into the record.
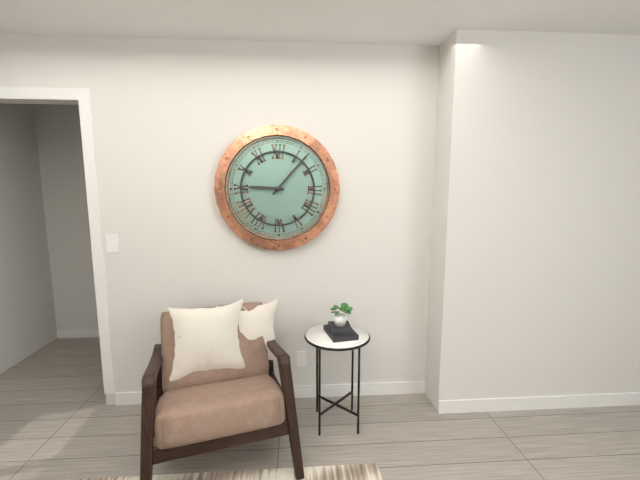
9:07
